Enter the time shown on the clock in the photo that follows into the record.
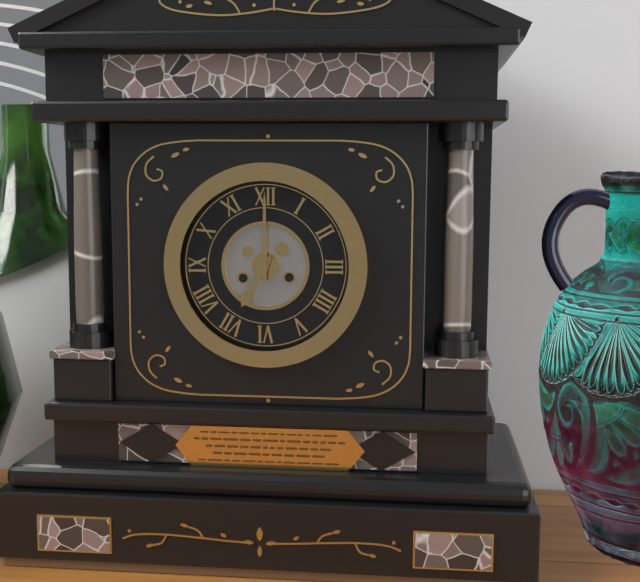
7:00
